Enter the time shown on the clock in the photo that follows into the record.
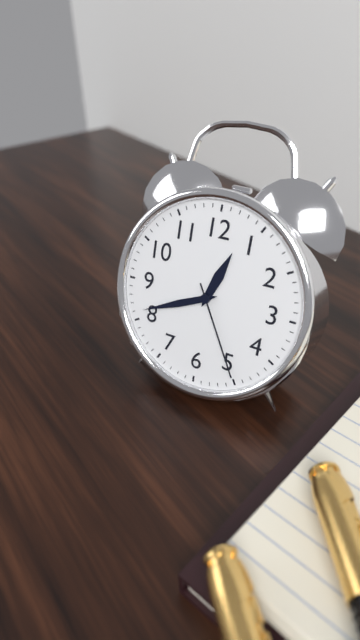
12:41:25
